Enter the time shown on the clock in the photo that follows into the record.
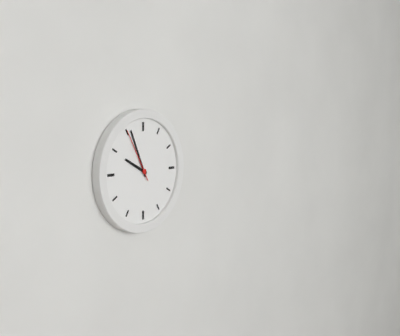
9:56:55
